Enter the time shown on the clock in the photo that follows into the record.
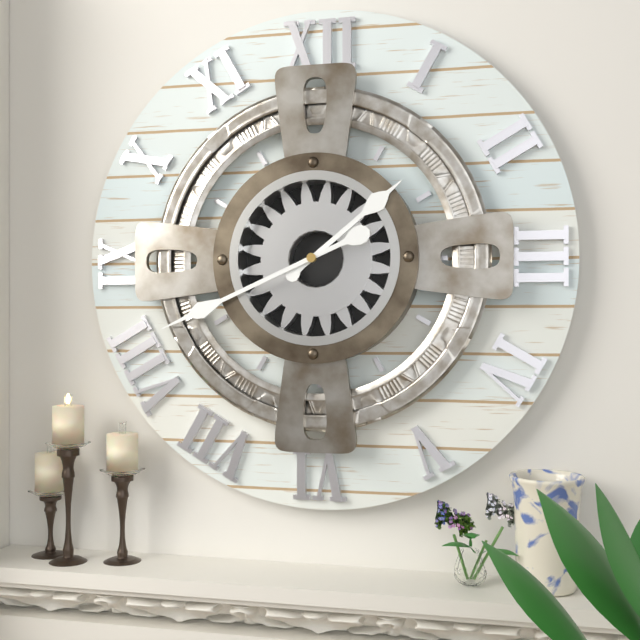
1:41
